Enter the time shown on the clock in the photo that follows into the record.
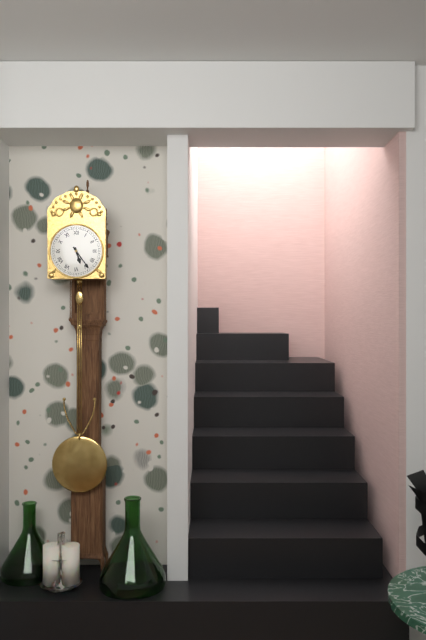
5:24
